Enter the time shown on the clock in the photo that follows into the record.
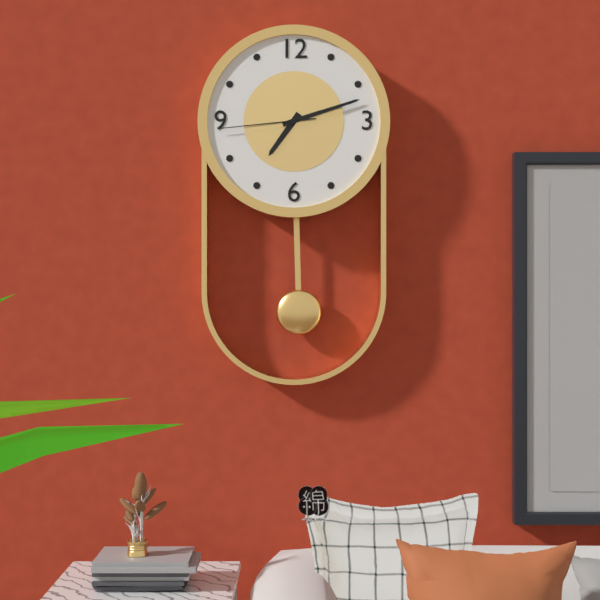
7:12:44
